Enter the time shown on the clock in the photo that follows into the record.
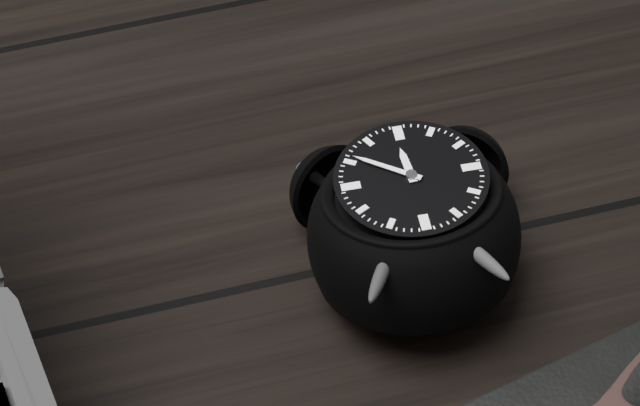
11:51
